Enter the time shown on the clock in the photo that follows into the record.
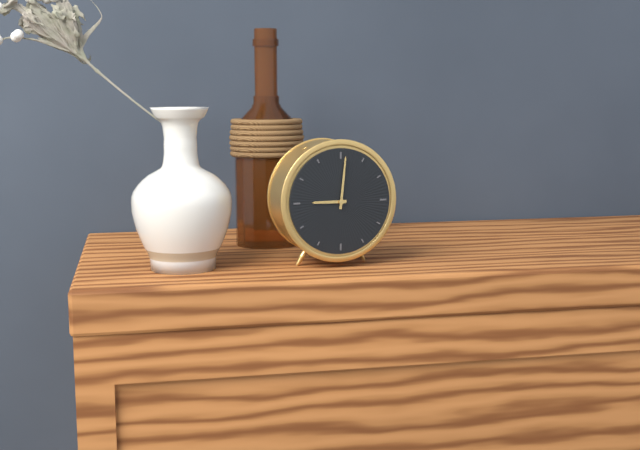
9:01
